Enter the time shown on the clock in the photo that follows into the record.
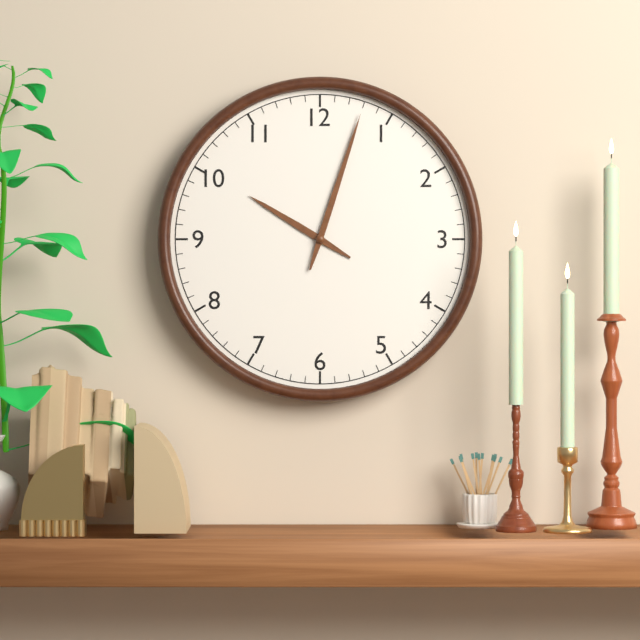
10:03
